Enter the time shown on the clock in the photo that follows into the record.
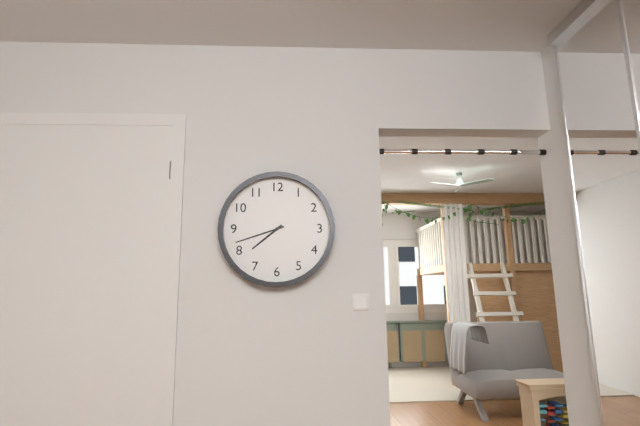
7:42
